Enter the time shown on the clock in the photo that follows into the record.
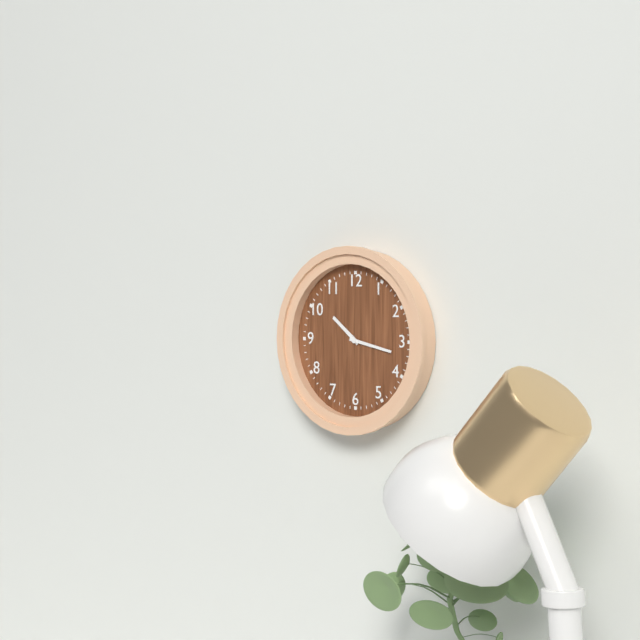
10:17
